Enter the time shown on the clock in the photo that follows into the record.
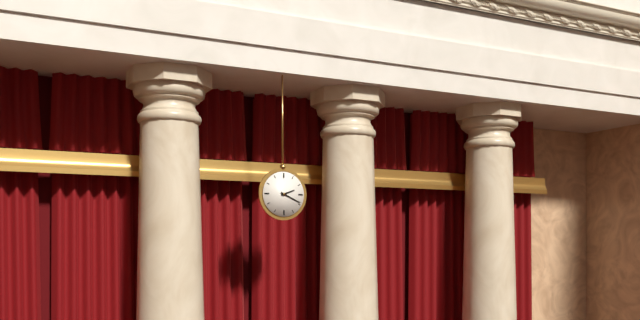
2:19
